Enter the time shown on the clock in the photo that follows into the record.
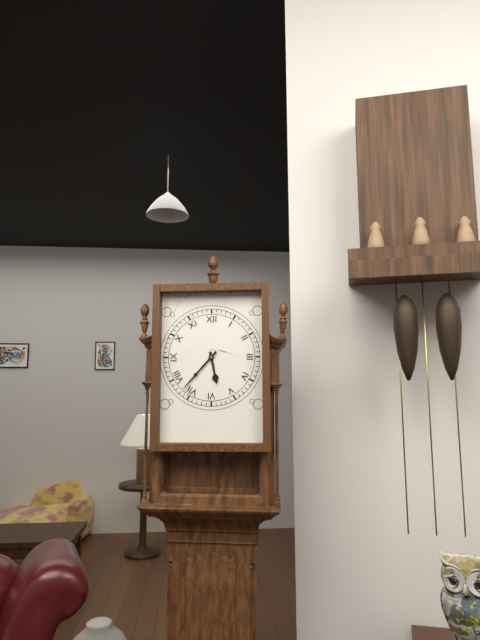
5:37
